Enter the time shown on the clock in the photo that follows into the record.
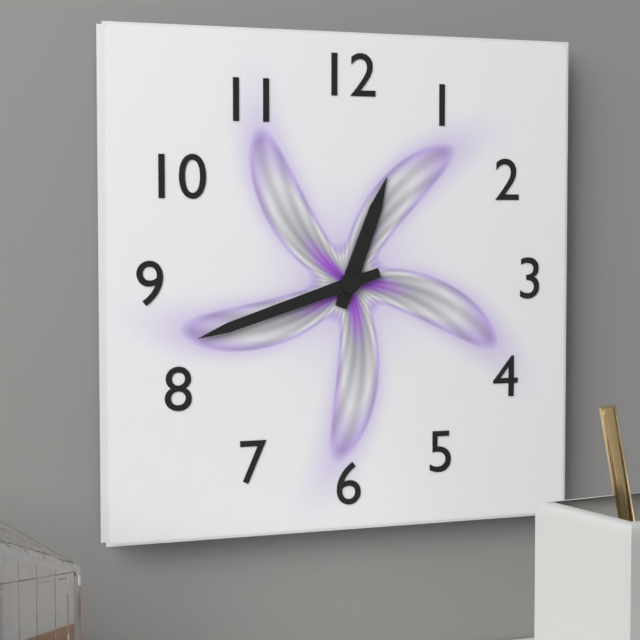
12:42
